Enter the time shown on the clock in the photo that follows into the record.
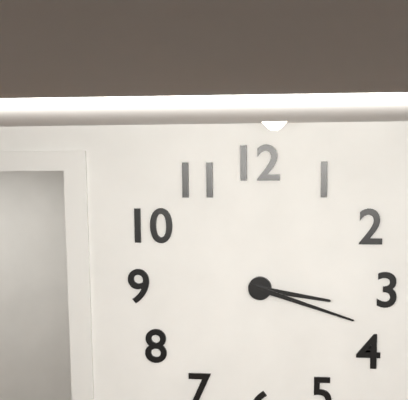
3:18
